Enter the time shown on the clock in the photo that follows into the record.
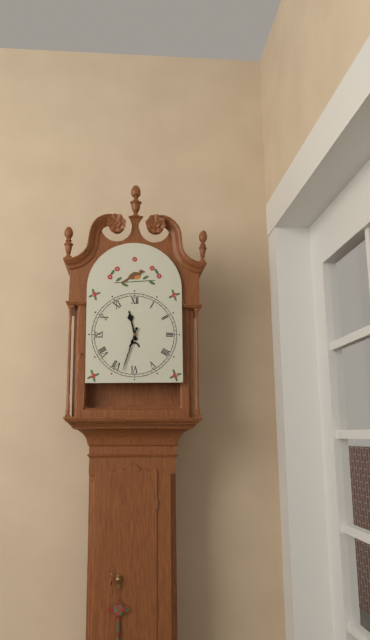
11:33
